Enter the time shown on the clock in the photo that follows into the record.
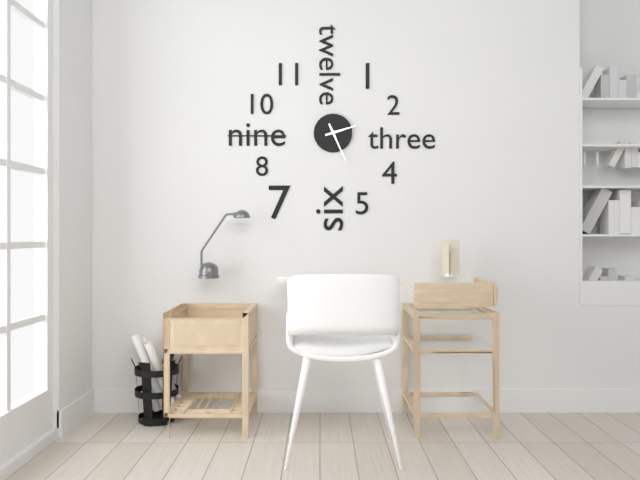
2:26
